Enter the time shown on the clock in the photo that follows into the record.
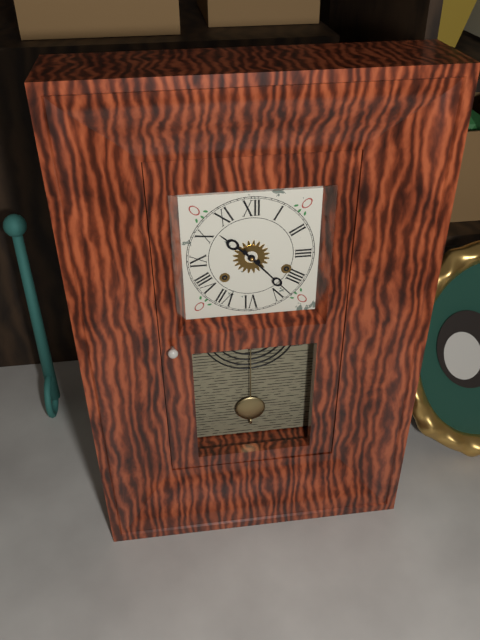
10:23
